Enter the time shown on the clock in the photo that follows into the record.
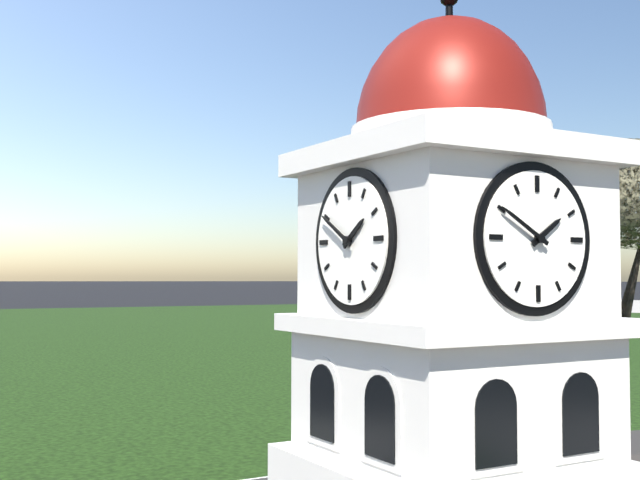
1:50
